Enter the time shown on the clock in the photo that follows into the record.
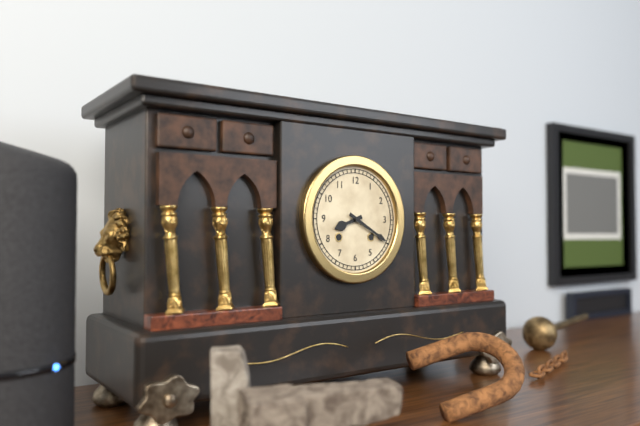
8:20
